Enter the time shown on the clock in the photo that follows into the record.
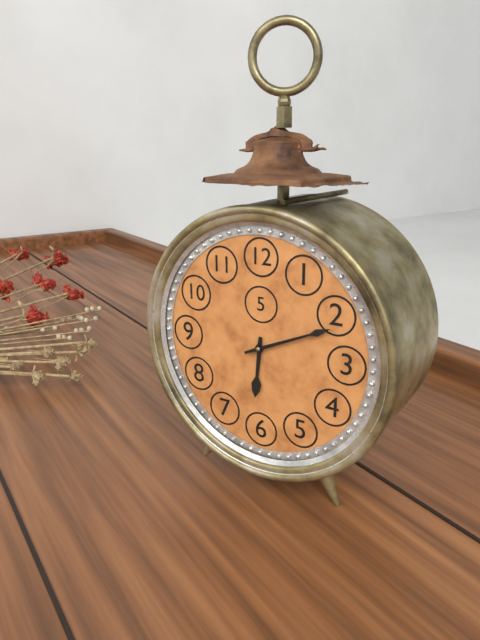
6:11
